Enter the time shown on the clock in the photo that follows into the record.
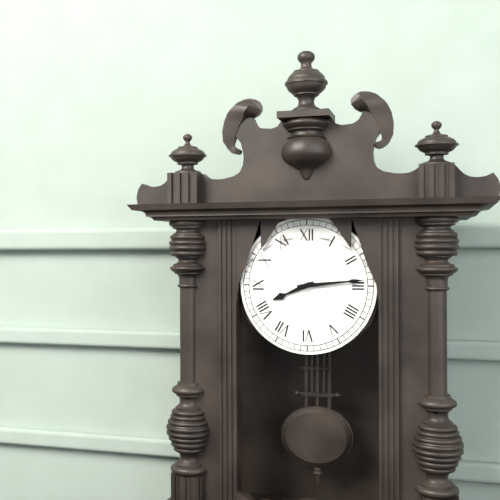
8:14
